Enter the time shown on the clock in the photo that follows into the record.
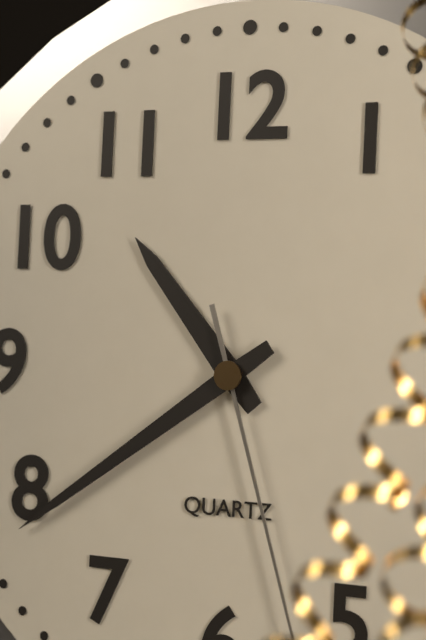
10:39
